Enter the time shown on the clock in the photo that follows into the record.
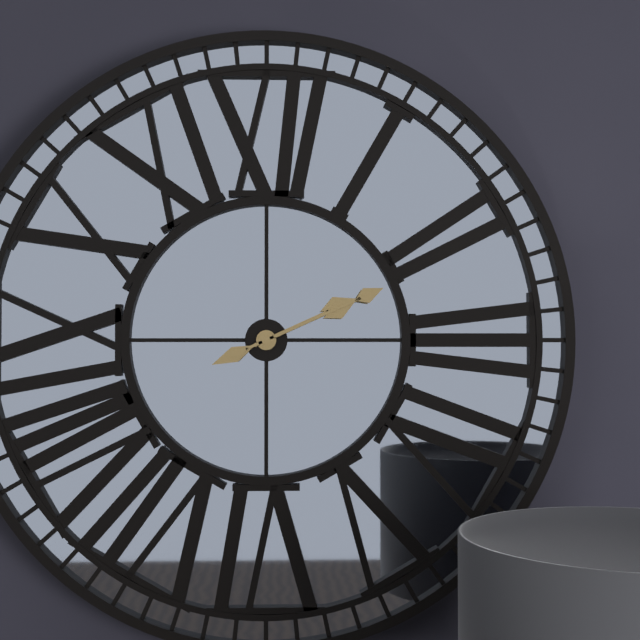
2:11
